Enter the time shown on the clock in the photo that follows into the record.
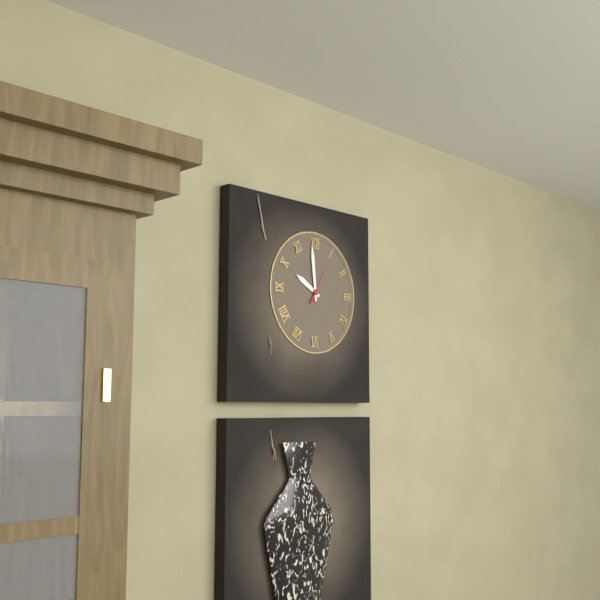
9:59
